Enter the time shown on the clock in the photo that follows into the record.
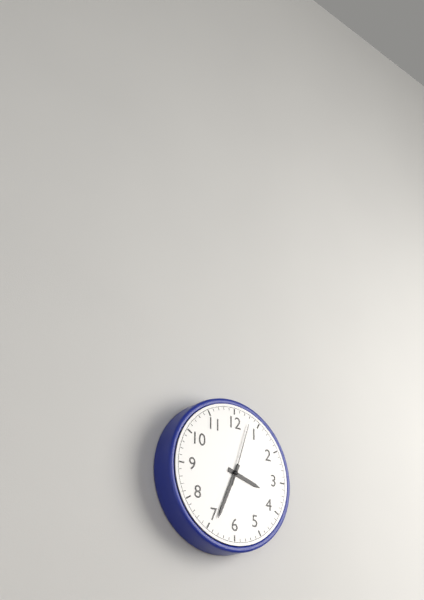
3:34:03
